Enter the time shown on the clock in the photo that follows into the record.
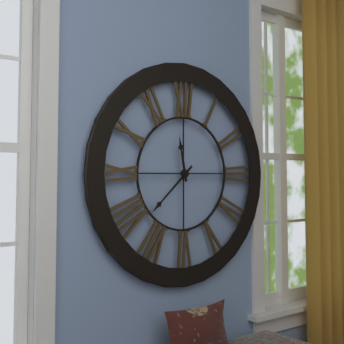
11:38
